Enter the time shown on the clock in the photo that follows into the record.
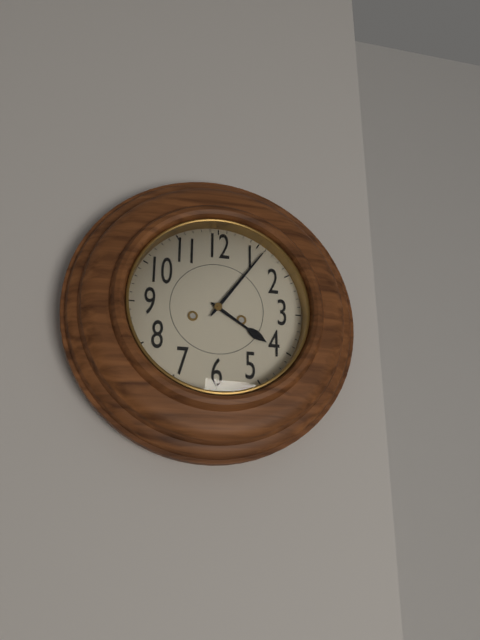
4:06
